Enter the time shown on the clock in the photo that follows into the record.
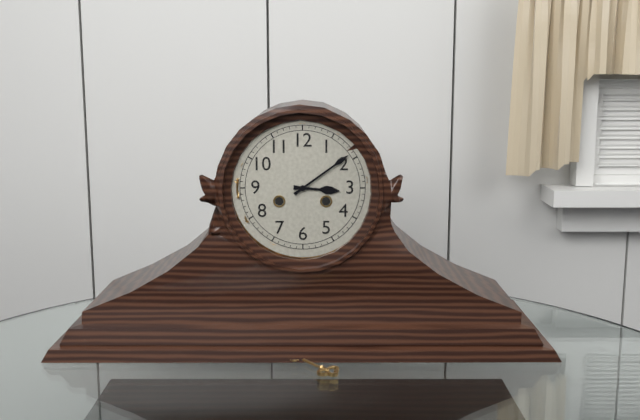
3:09
